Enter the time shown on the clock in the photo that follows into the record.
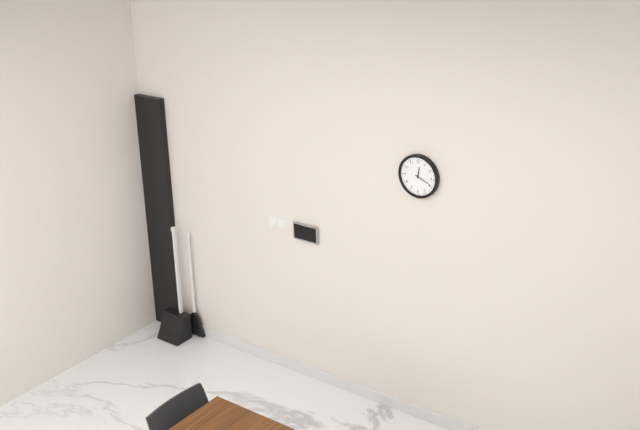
12:19
